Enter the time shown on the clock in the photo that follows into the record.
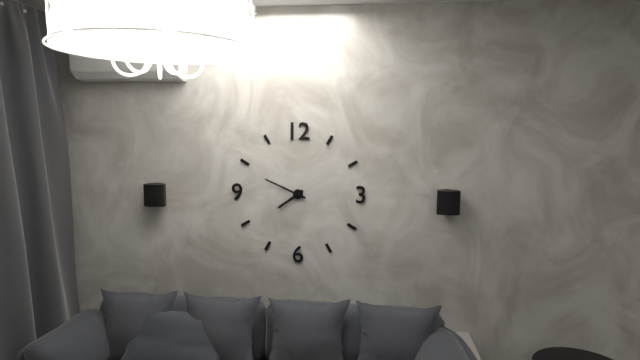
7:49
